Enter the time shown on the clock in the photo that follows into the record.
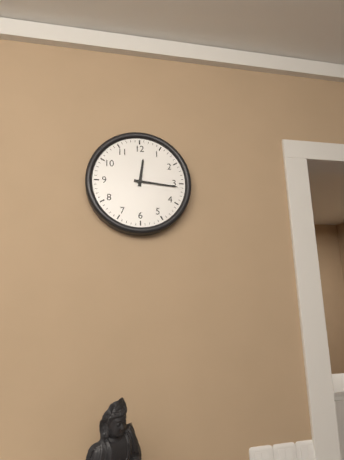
12:16
